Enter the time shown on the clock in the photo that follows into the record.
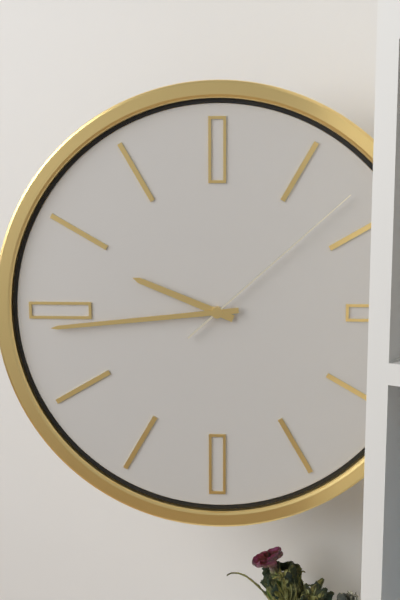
9:44:08
